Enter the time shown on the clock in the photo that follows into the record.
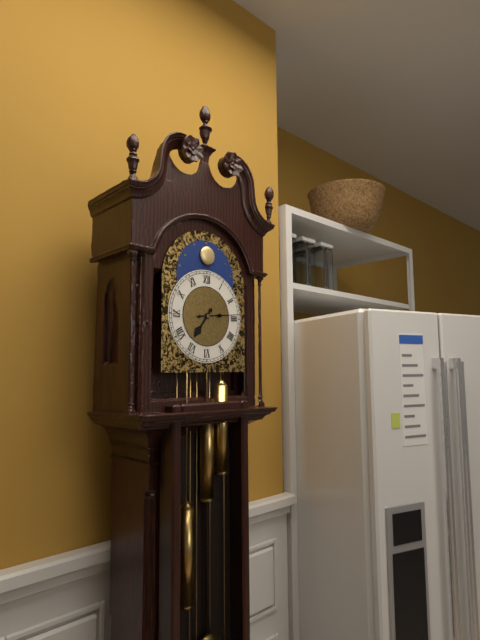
7:14
